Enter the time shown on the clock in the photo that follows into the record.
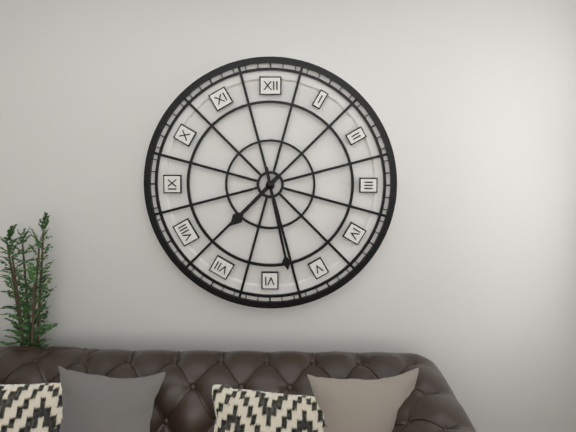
7:28
